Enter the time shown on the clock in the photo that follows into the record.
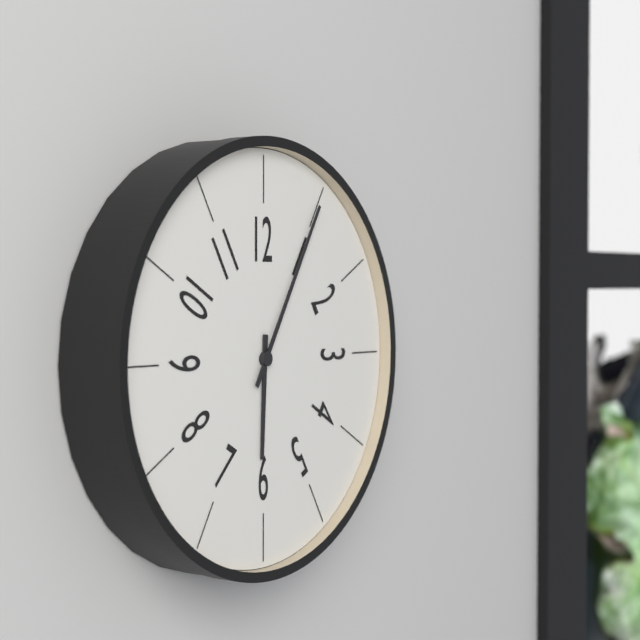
6:05
